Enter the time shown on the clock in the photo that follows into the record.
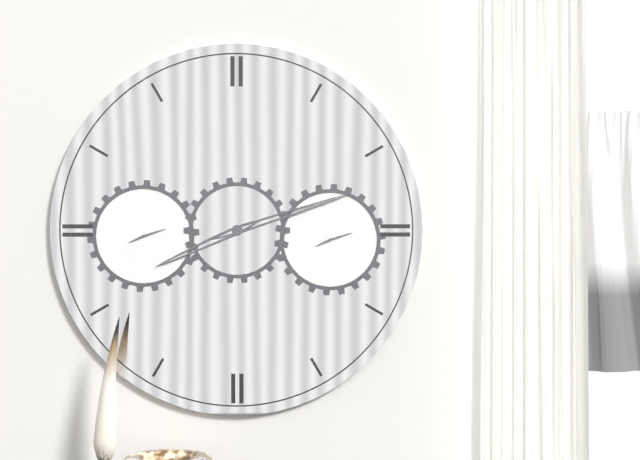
8:12
